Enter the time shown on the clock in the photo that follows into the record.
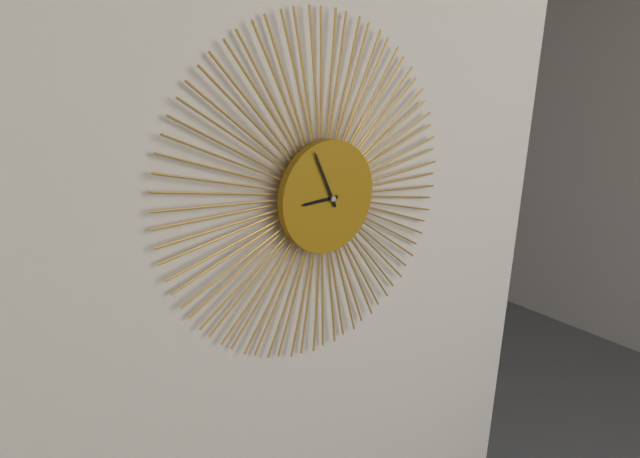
8:56
